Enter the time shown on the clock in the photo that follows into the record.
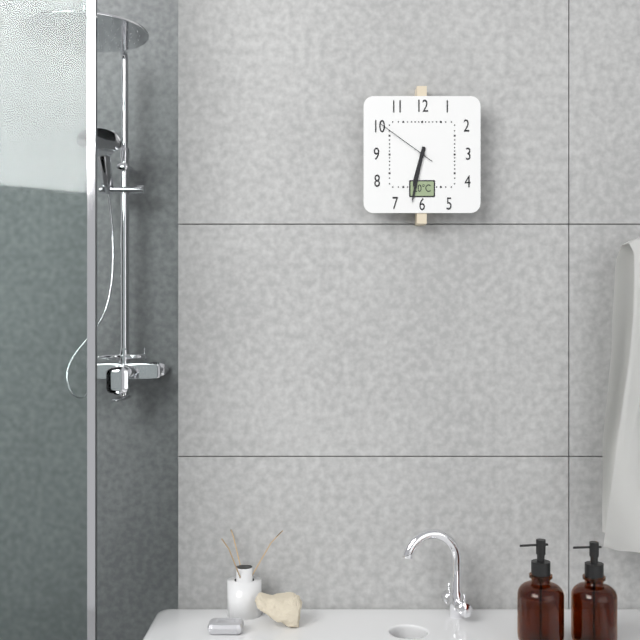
6:32:51
